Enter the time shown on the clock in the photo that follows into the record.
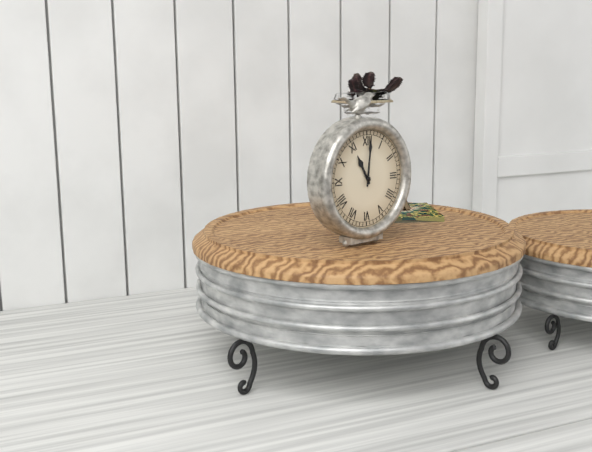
11:01
